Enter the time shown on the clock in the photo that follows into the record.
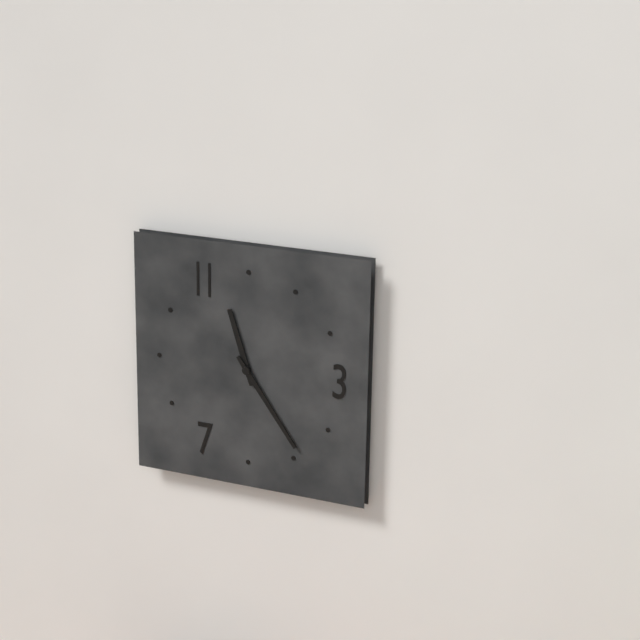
11:24
